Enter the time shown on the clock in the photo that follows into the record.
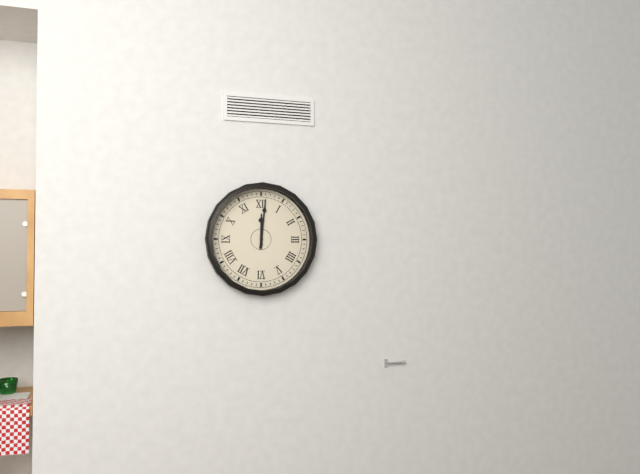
12:01
